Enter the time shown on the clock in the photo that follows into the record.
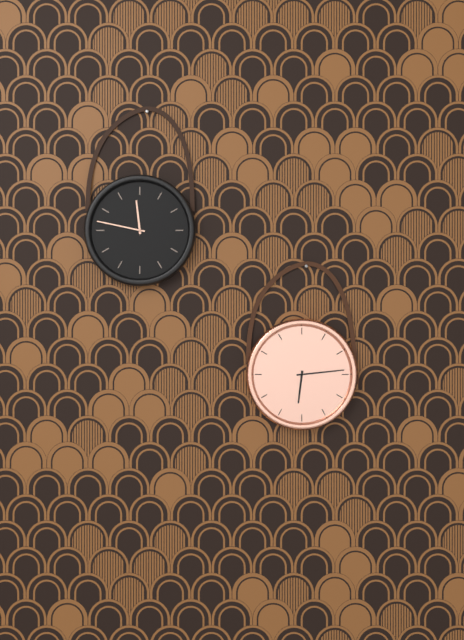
6:14
